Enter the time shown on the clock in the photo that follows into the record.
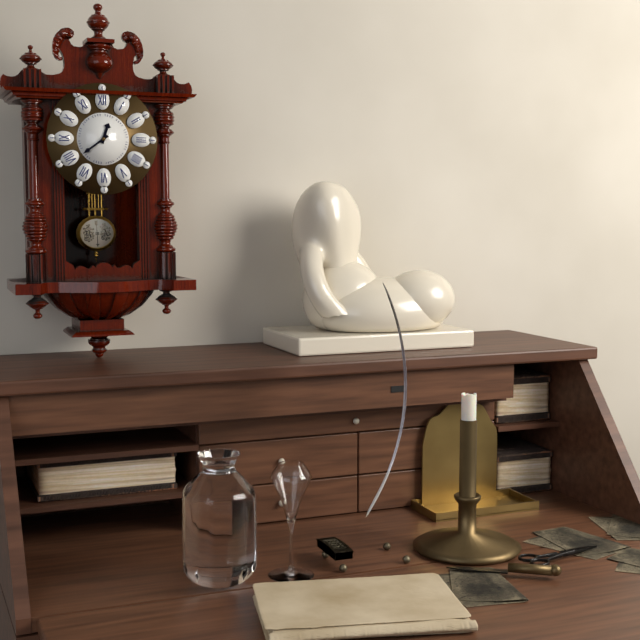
12:39
